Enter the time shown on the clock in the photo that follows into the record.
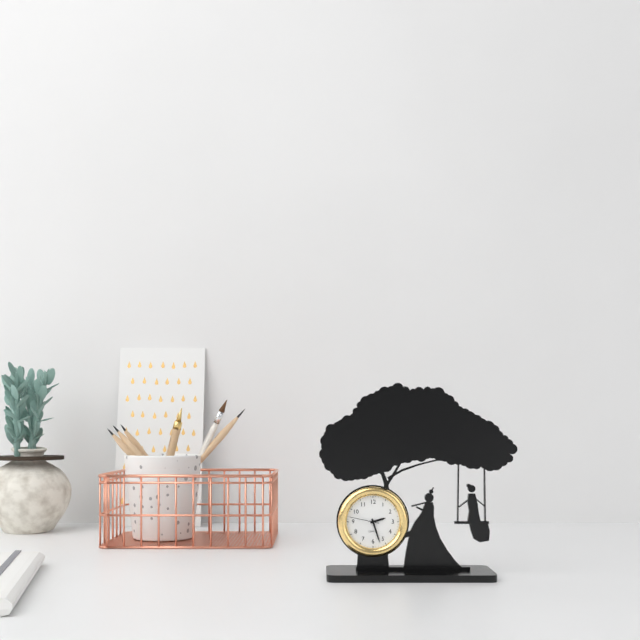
2:27
